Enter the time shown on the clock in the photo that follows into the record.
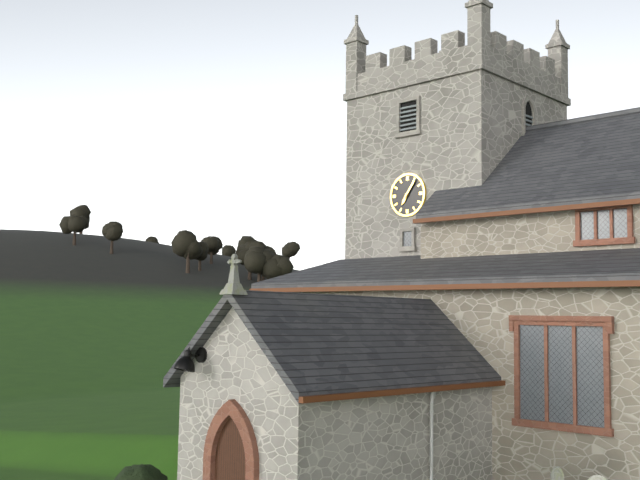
7:06
